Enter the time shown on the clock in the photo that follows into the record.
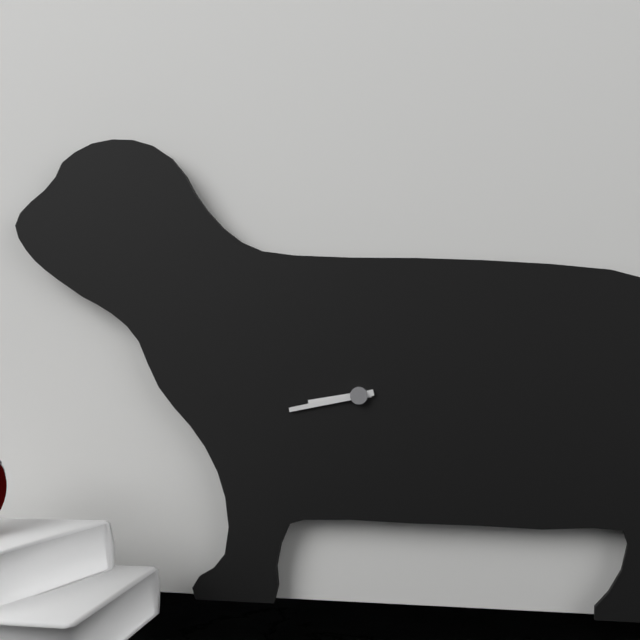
8:43
